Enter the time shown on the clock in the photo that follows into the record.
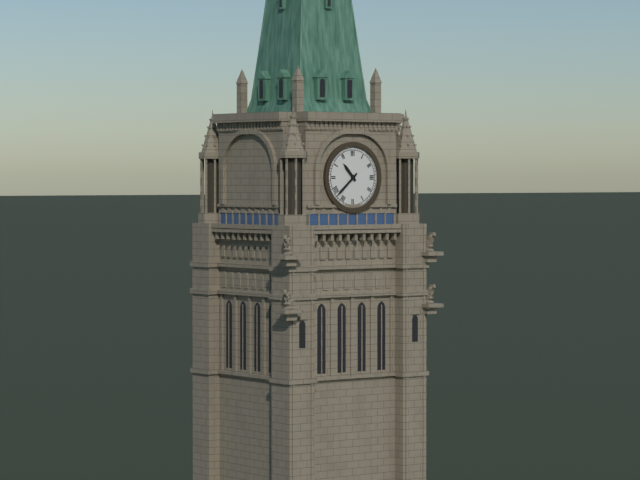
10:38
